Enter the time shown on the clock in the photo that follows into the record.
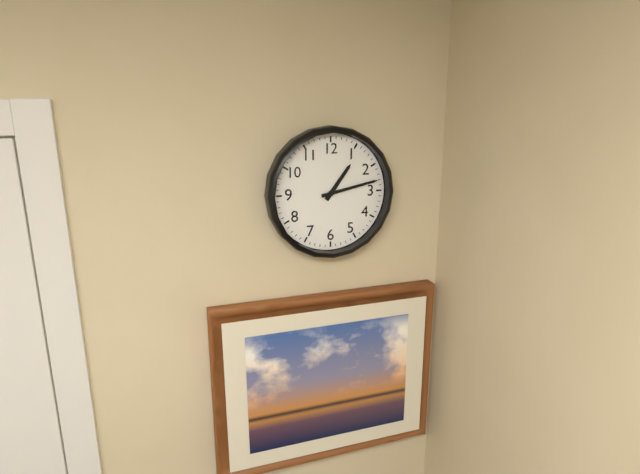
1:13
